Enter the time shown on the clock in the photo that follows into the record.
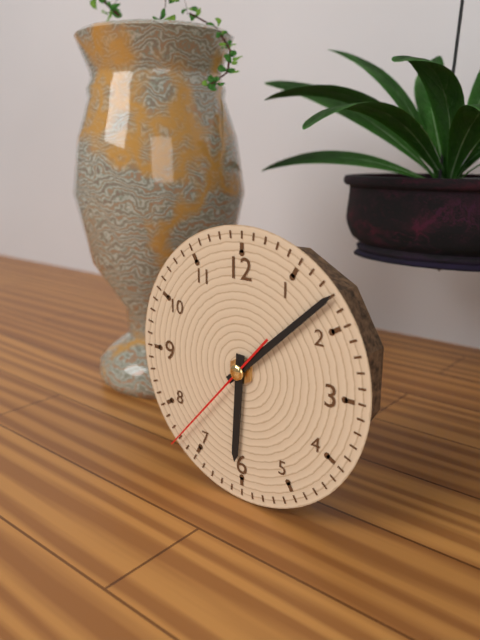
6:08:37
